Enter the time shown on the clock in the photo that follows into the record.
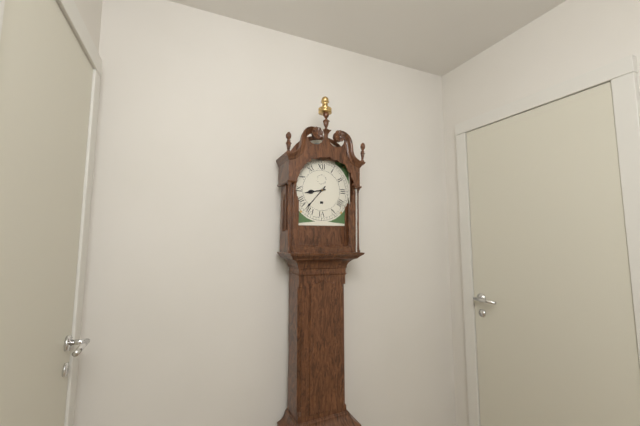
8:37
